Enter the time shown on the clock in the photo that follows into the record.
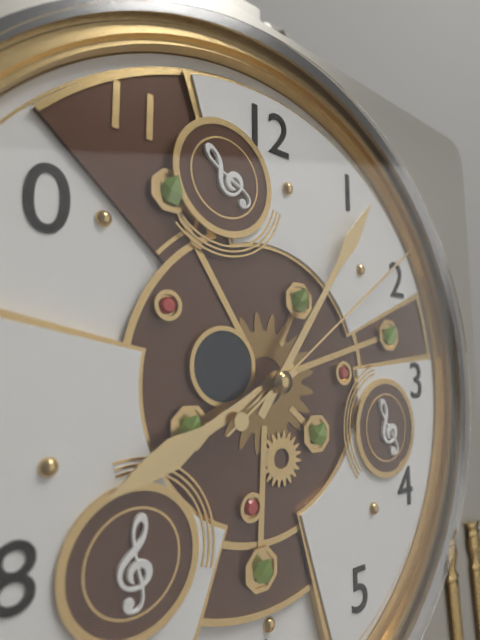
8:06:09
